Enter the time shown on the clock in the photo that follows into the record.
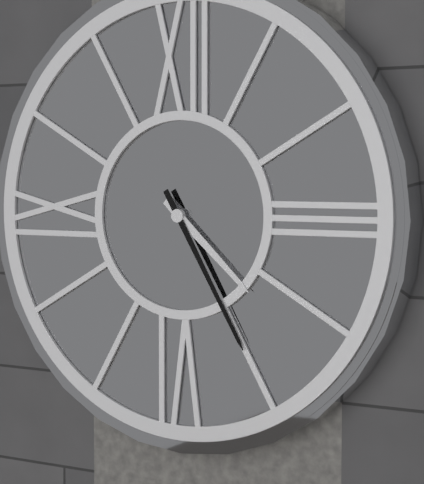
4:25
